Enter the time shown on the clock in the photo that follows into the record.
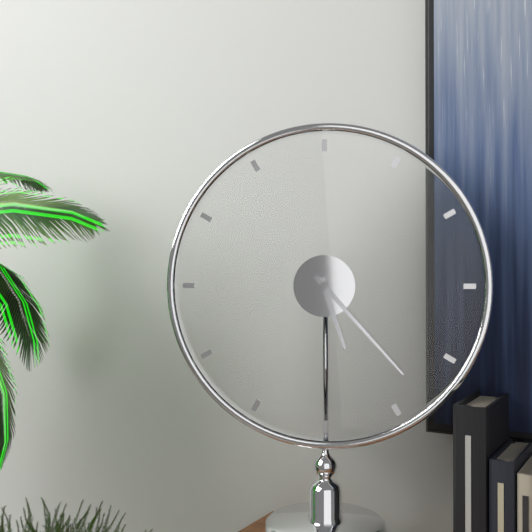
5:23
